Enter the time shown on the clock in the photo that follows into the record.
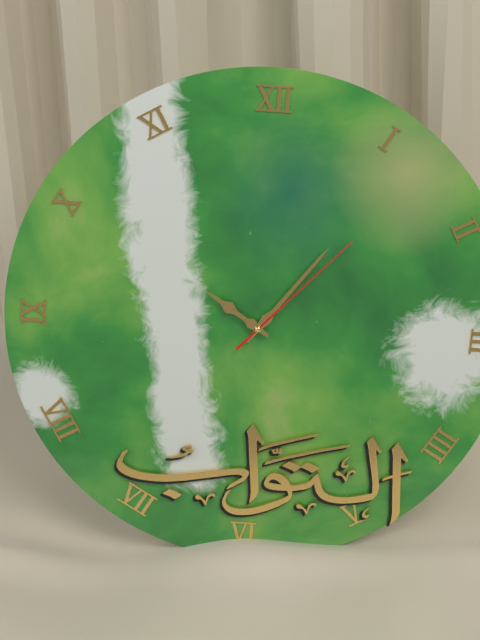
10:06:07
